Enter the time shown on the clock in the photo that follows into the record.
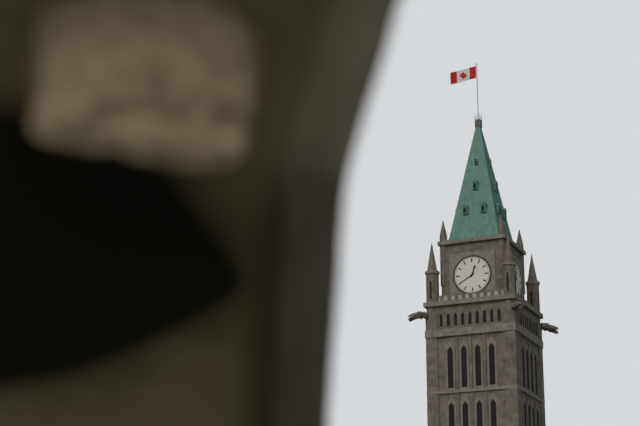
12:40
